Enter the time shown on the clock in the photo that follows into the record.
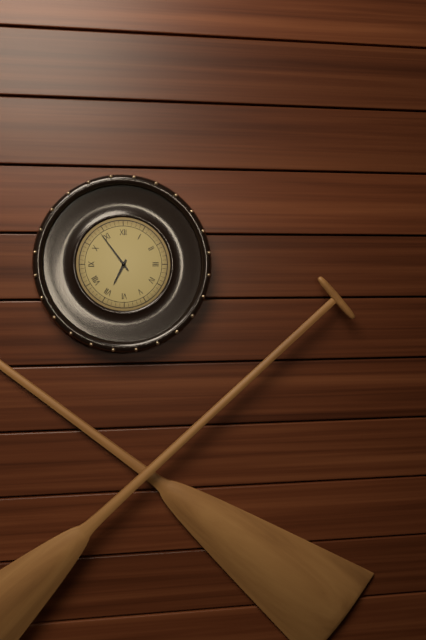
6:54
